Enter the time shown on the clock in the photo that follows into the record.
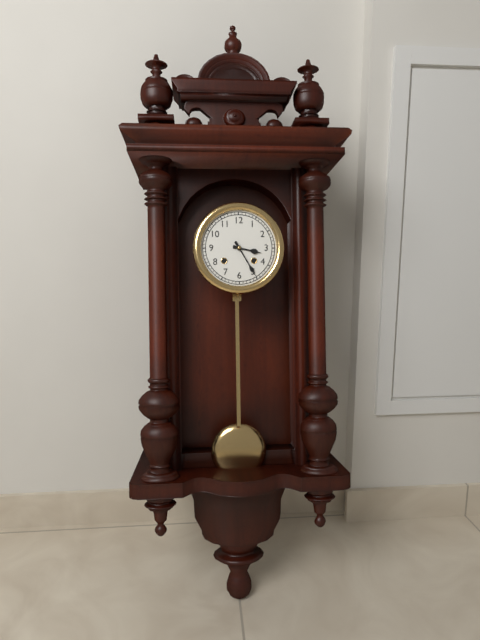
3:25
